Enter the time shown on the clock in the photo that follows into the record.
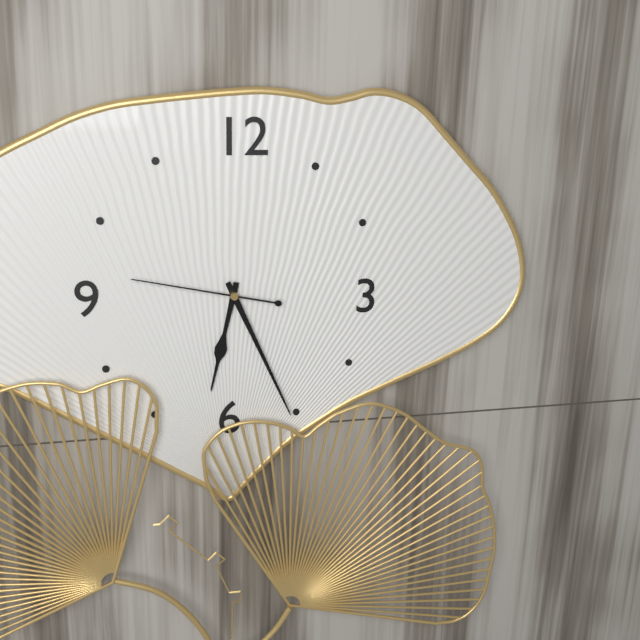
6:26:47
